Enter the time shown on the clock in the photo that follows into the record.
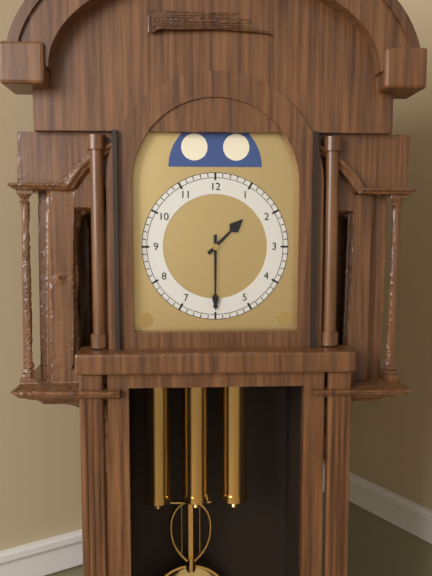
1:30
